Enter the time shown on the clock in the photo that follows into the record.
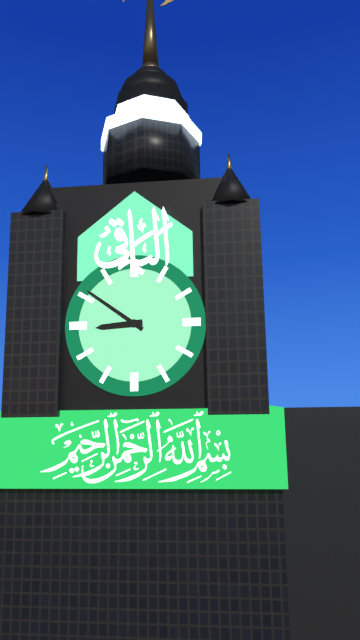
8:51
